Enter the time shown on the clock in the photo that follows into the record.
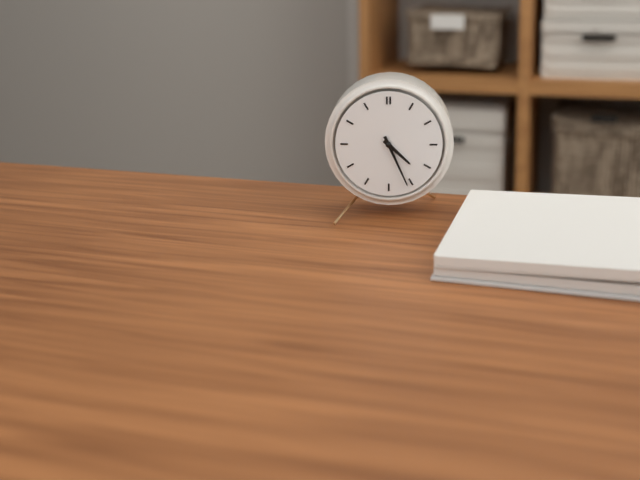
4:26
